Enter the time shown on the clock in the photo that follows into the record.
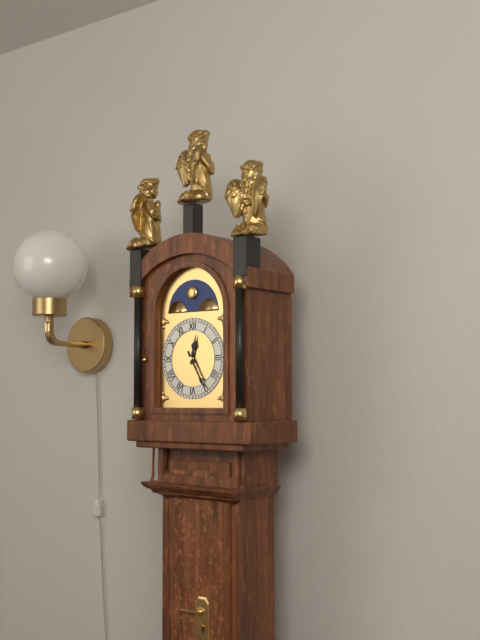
12:25
